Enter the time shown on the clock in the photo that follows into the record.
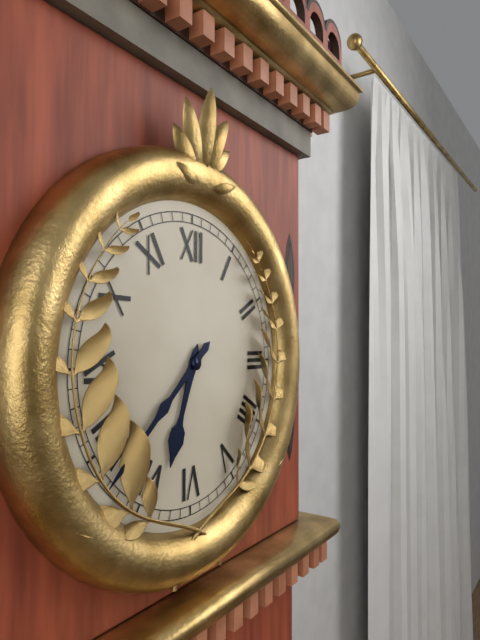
6:38
